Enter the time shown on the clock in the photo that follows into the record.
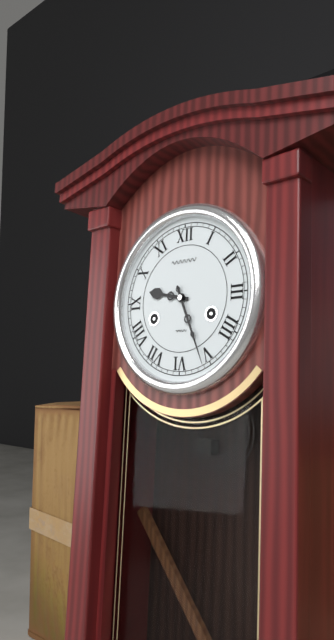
9:26
